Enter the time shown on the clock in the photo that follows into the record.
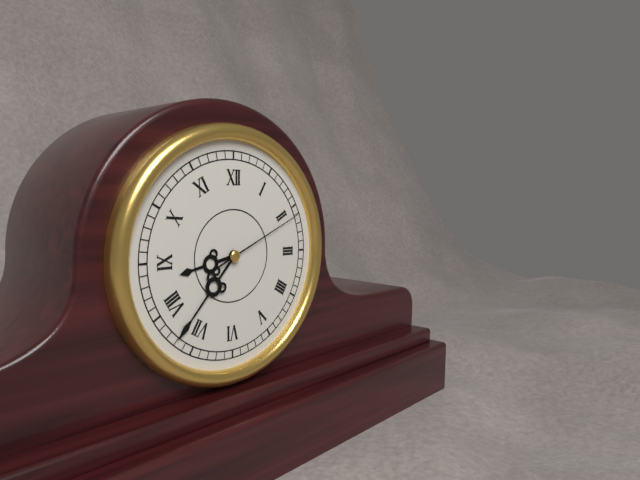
8:37:11
